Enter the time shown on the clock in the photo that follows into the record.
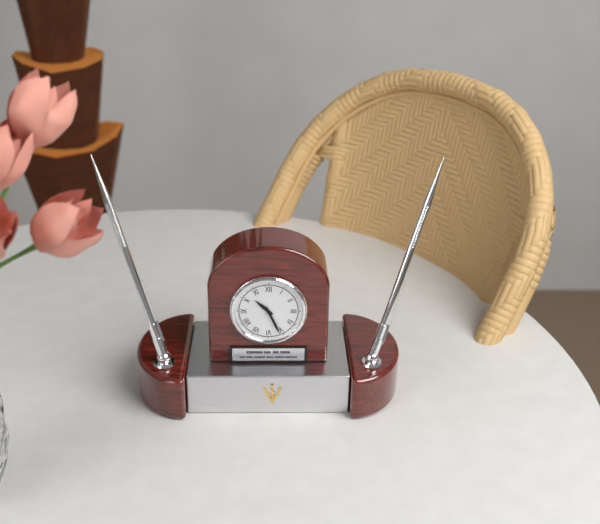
10:26
